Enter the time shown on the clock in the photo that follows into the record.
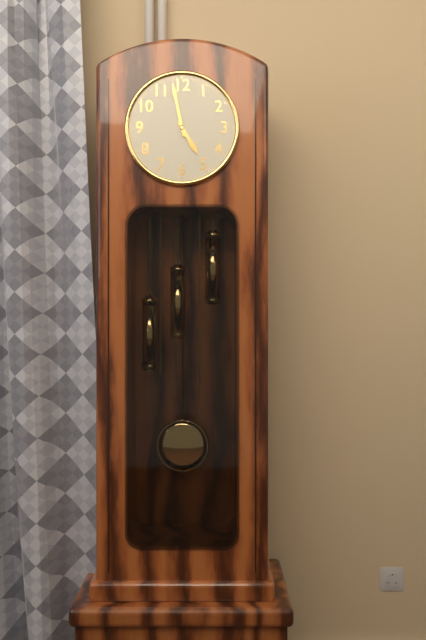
4:58
